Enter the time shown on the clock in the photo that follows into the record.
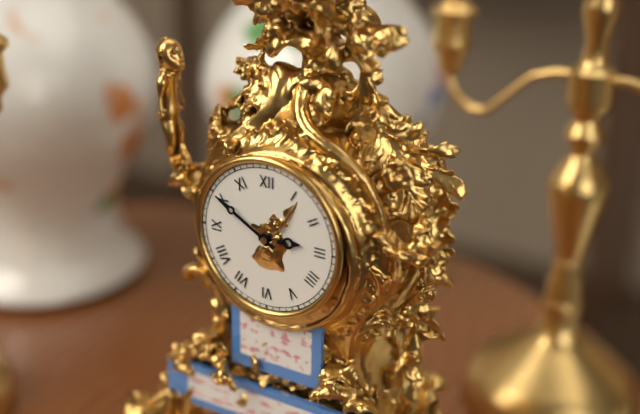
2:50
